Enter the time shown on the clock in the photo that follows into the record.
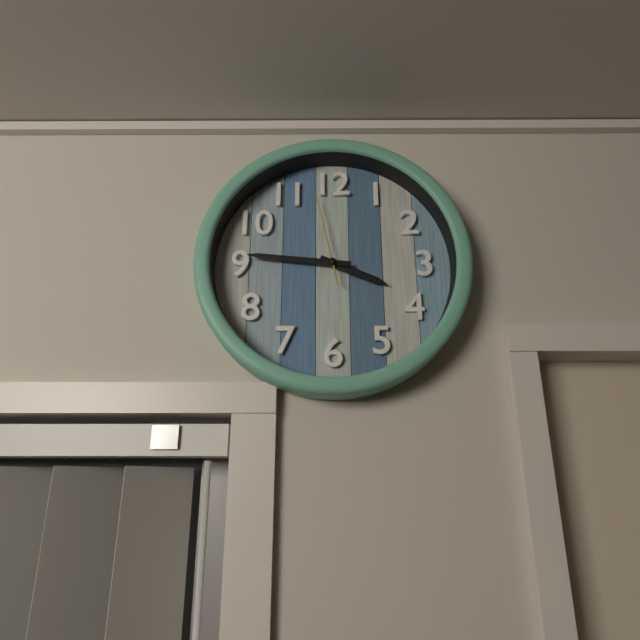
3:46:58
